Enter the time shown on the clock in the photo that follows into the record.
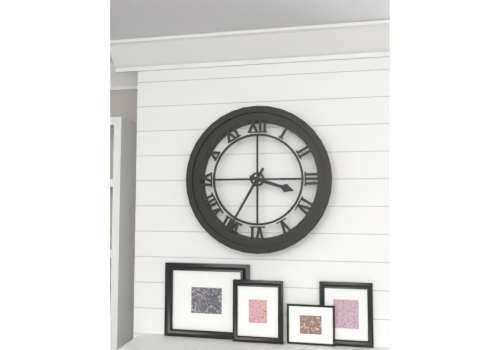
3:35
